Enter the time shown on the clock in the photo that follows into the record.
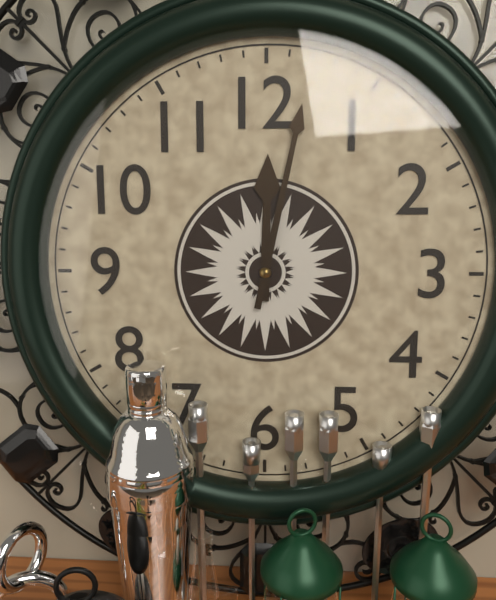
12:02
